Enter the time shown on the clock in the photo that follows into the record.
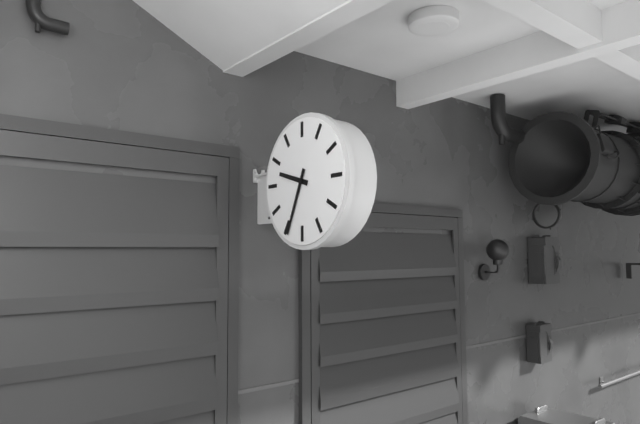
9:34
